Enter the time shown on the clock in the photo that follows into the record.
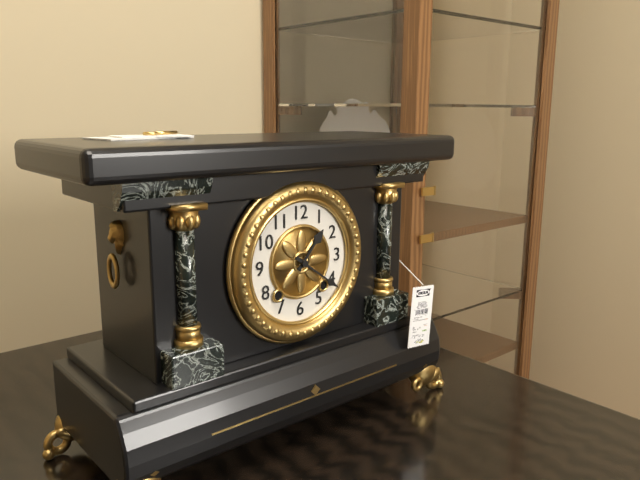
1:21
